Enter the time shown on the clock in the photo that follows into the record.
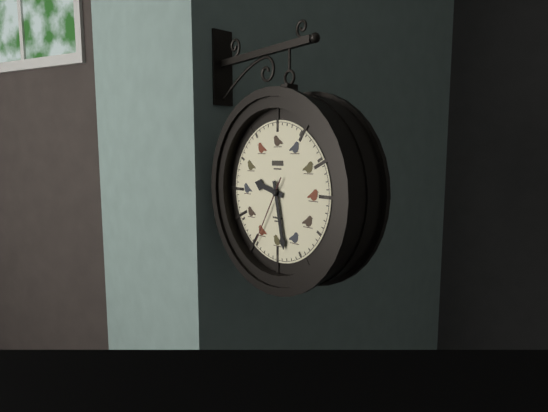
9:28:35
